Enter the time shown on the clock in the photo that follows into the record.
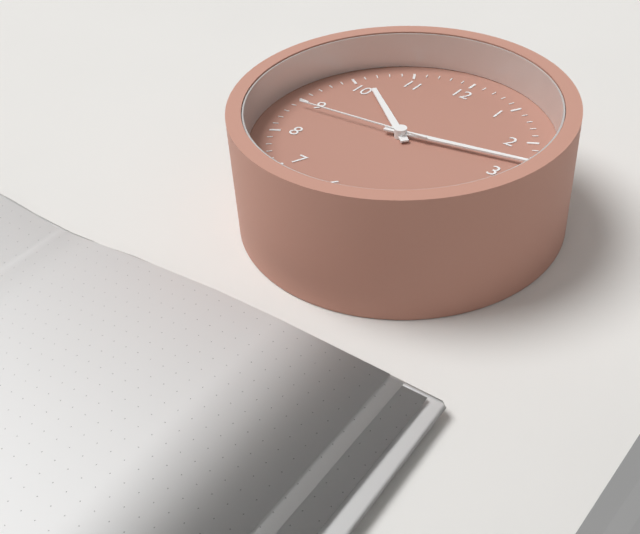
10:13:44
